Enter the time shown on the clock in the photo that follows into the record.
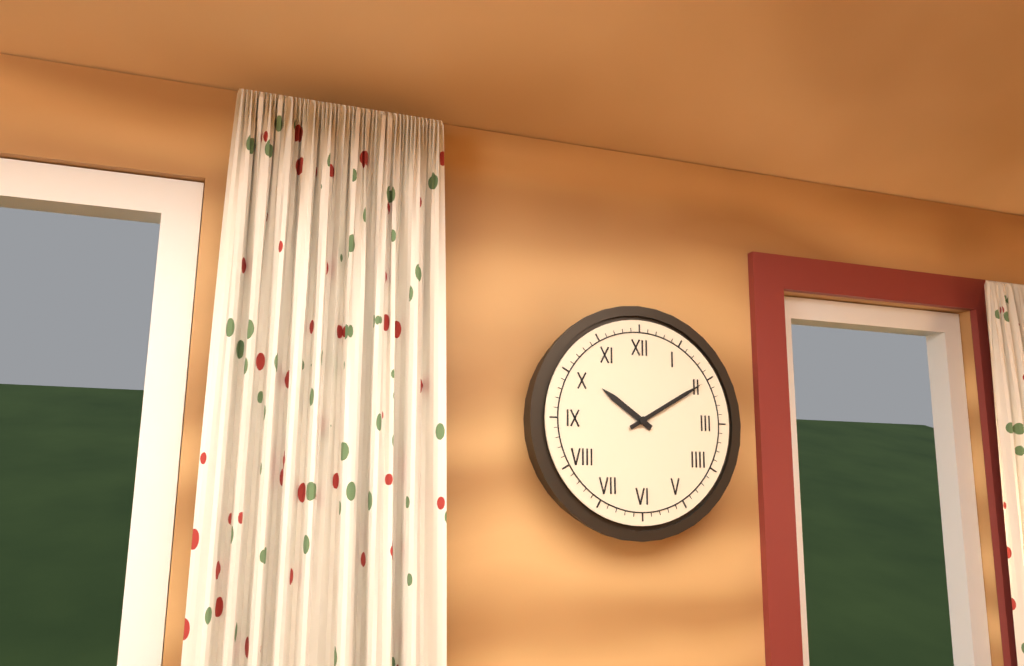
10:10
